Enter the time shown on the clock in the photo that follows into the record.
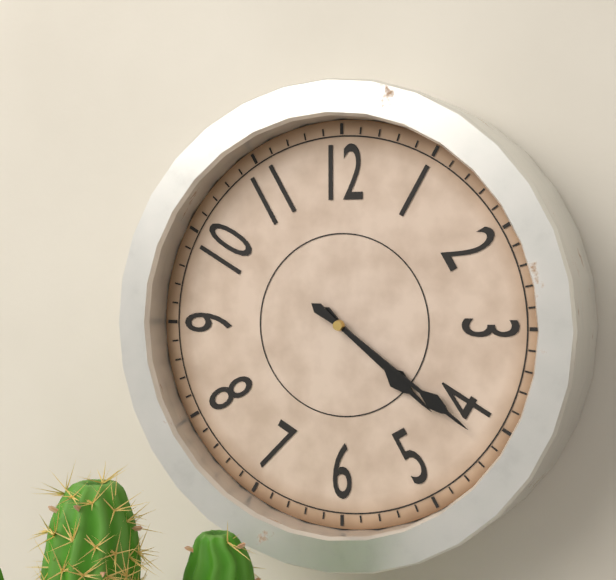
4:21
